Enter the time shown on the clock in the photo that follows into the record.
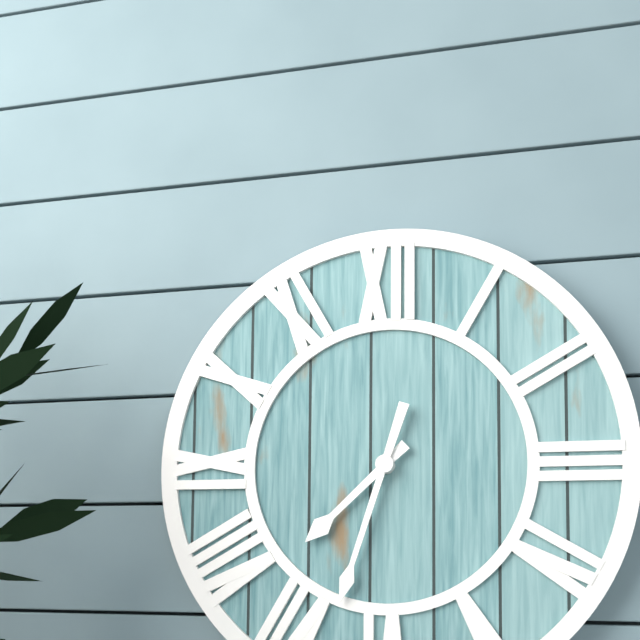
7:33
